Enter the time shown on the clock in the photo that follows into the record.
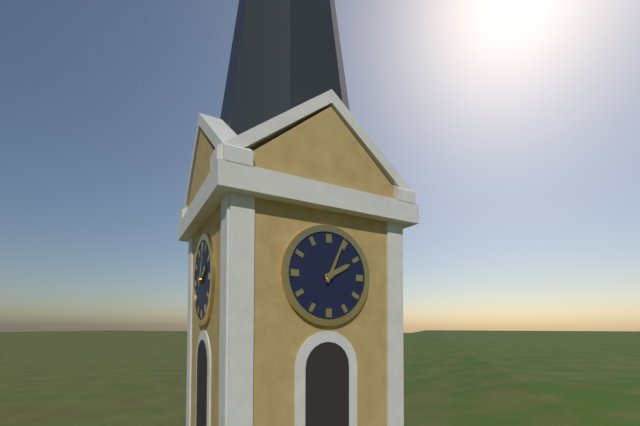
2:04
